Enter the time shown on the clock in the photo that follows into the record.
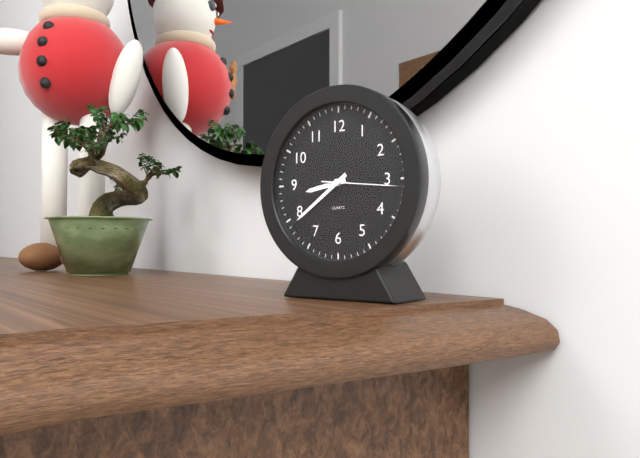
8:39:16
